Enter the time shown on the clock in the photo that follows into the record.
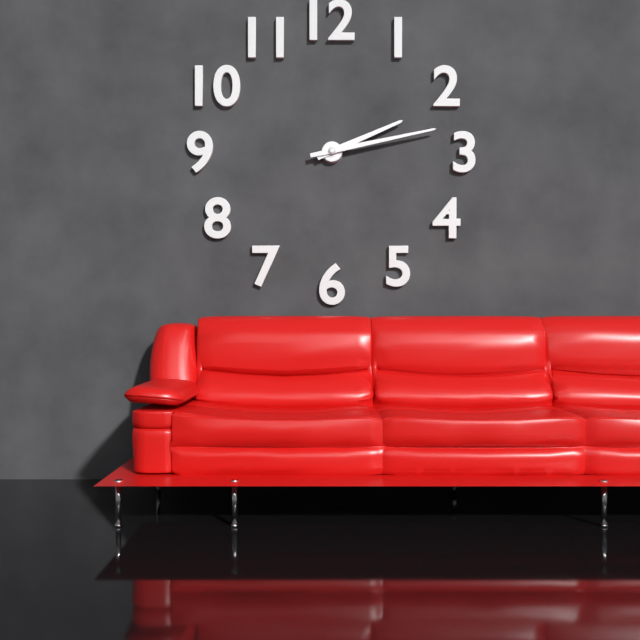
2:13
